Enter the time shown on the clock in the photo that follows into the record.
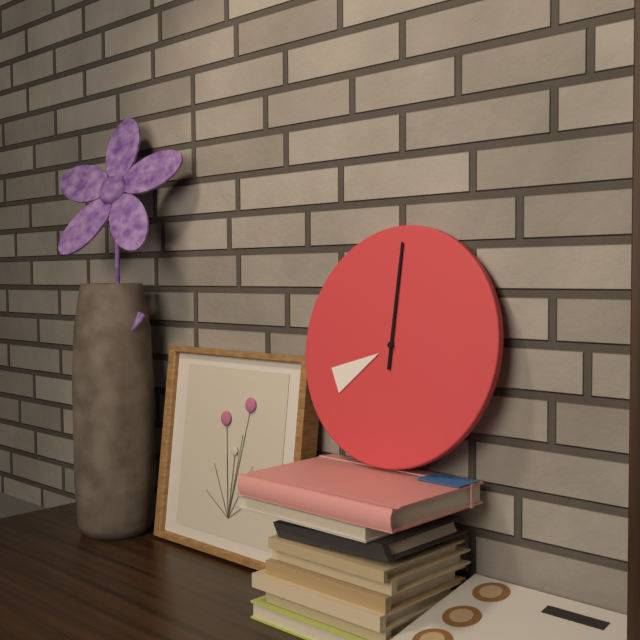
8:00
